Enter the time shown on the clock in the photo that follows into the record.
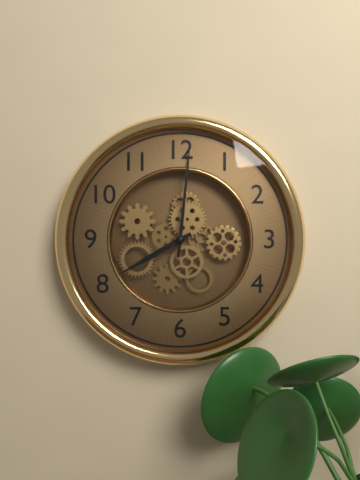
8:01
